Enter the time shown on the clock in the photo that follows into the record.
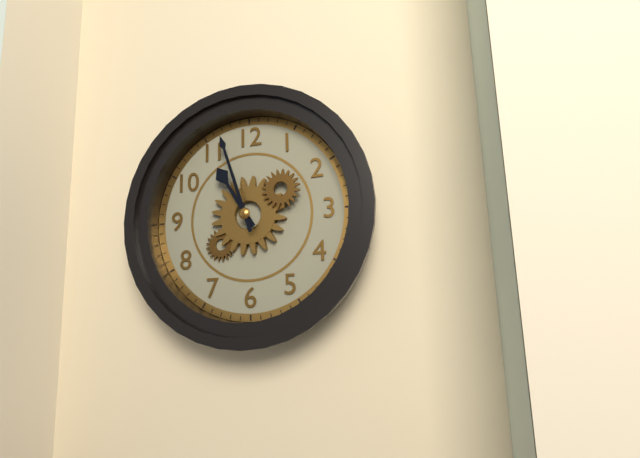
10:57
